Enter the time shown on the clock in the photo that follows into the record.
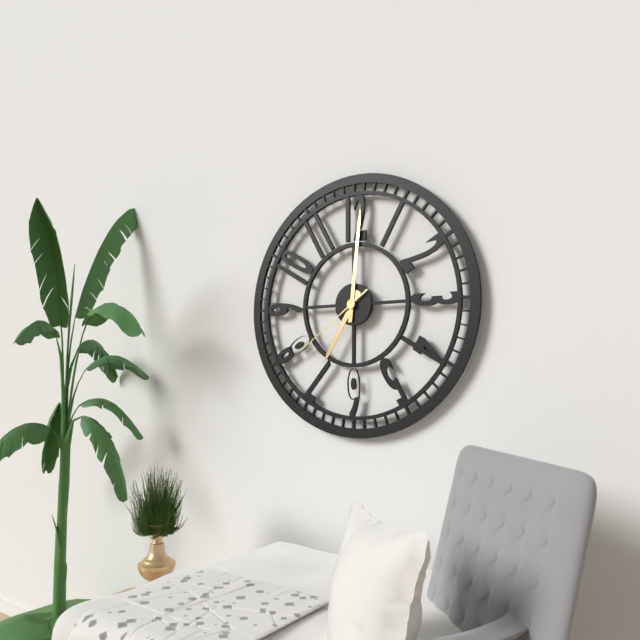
7:01:39
